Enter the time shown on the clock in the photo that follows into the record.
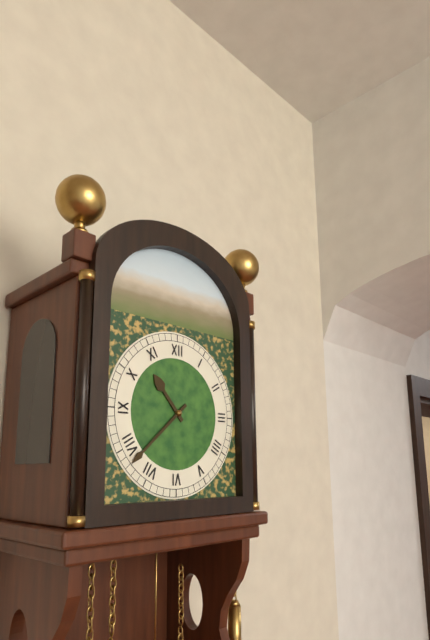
10:38
